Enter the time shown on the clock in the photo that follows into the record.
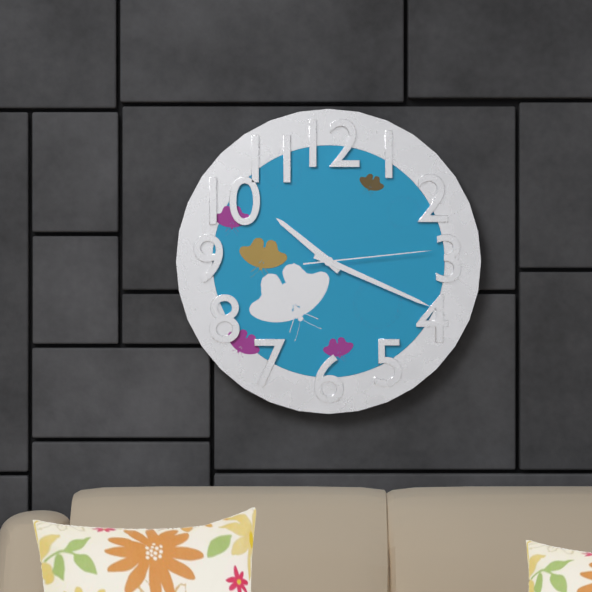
10:19:14
